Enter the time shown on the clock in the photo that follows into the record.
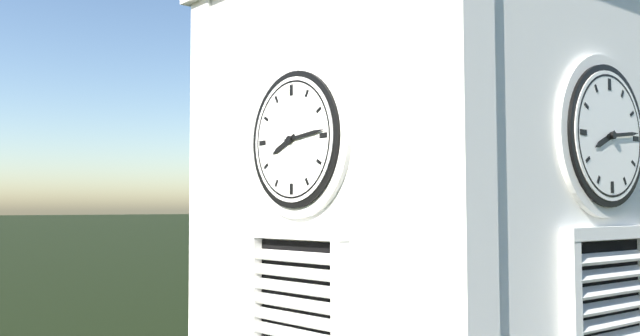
8:14
